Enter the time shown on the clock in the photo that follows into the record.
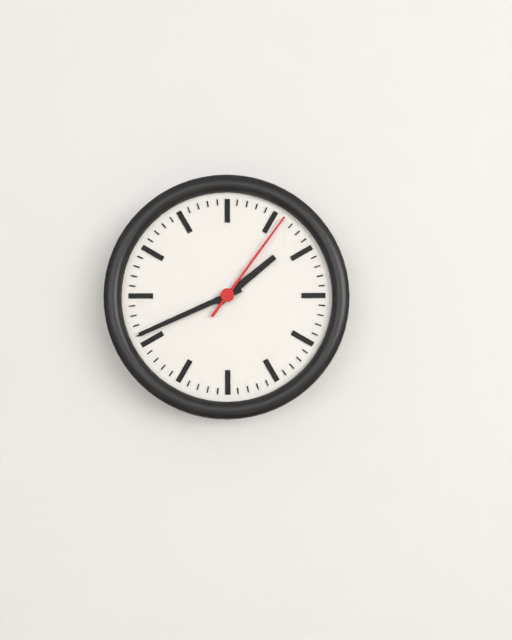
1:41:06
